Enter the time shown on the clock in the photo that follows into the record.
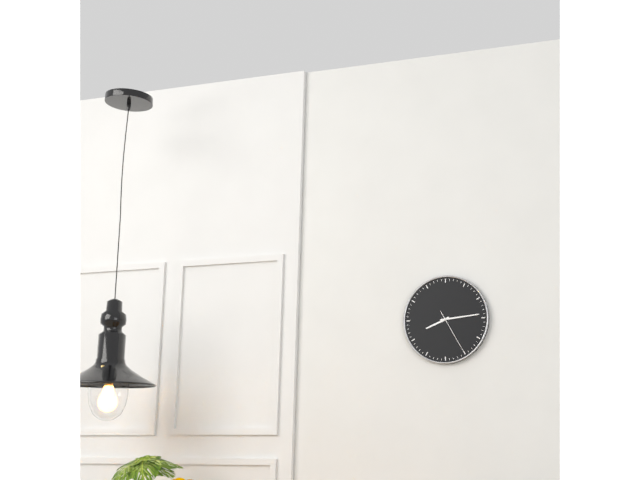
8:14
